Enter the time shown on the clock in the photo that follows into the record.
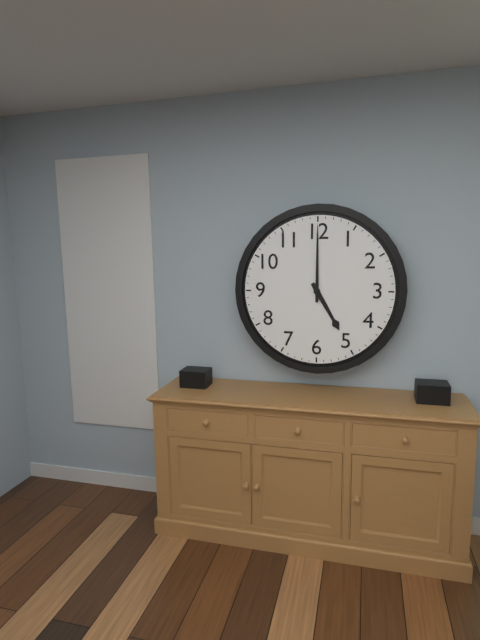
5:00
